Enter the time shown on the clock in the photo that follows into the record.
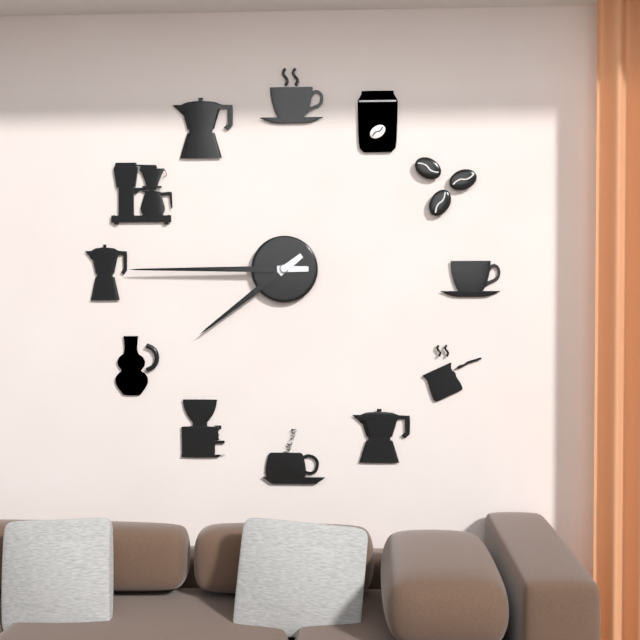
7:45
